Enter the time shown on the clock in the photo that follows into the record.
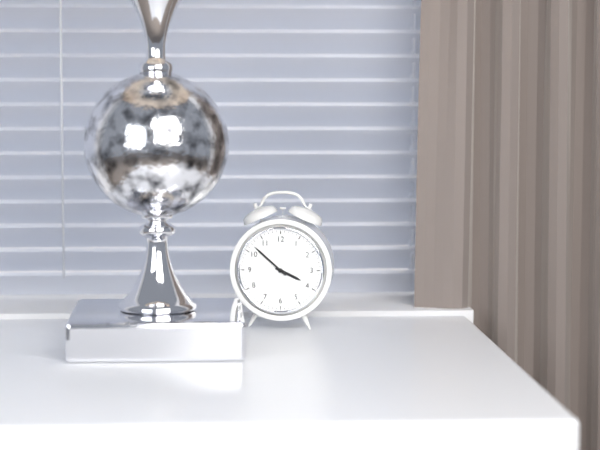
3:52
